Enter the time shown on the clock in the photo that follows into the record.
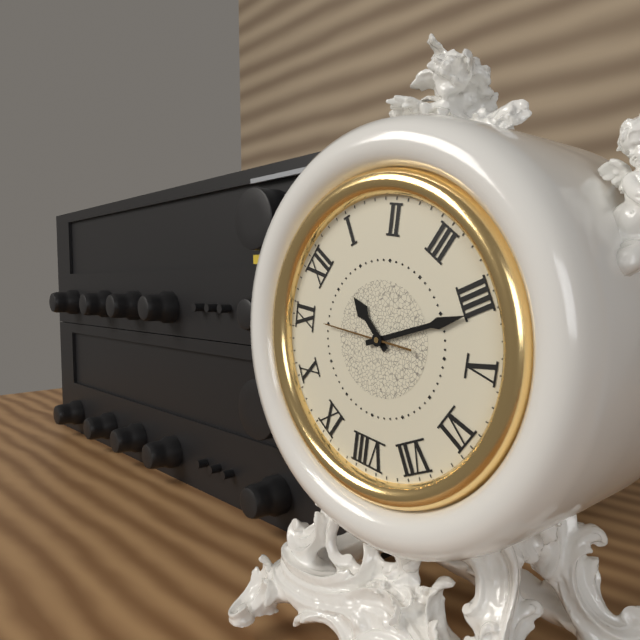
12:21:55
